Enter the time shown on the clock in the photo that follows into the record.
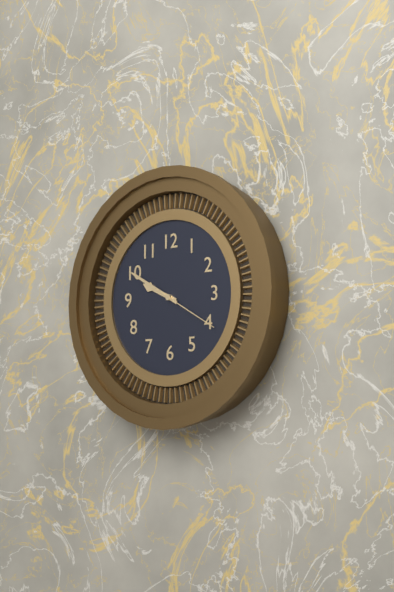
9:50:20
